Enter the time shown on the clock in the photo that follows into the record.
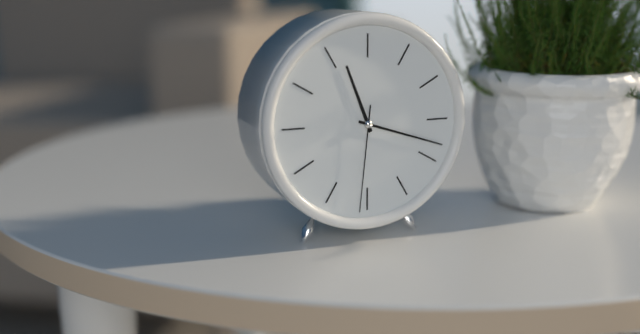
11:18:31
